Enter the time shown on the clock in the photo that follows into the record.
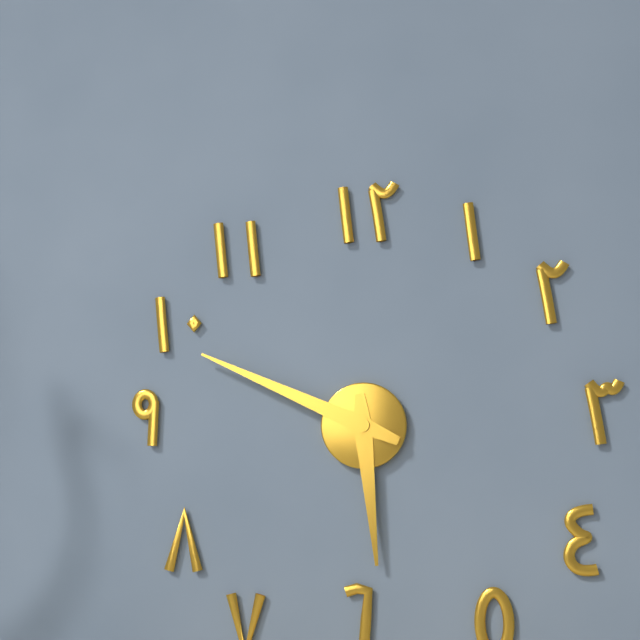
5:49
